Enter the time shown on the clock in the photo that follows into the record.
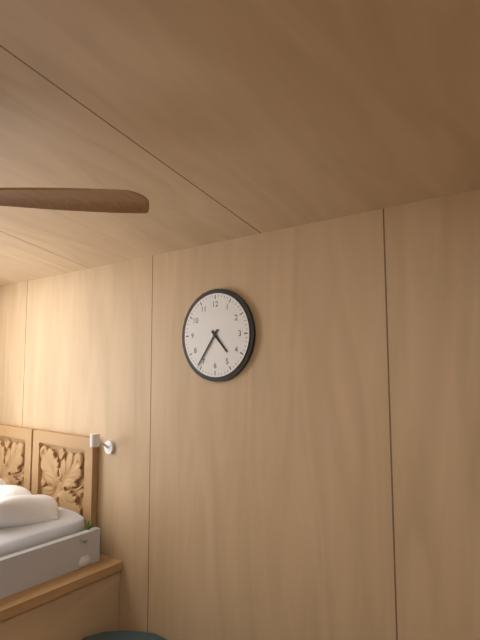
4:36
